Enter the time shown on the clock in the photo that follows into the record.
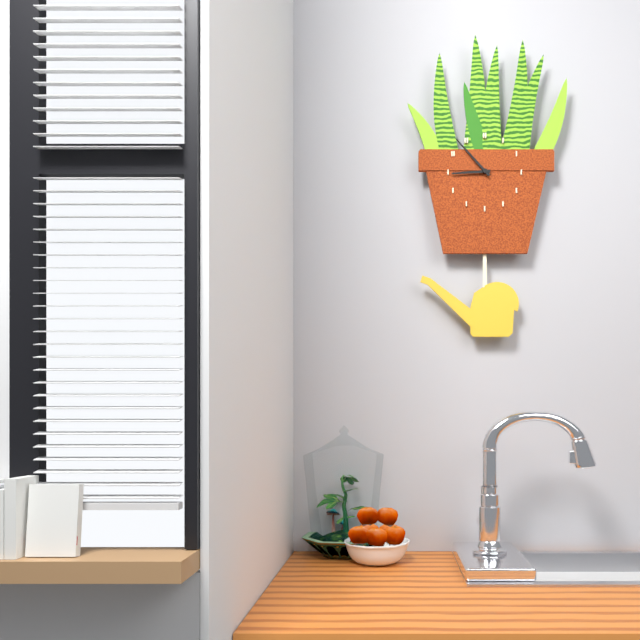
8:53
